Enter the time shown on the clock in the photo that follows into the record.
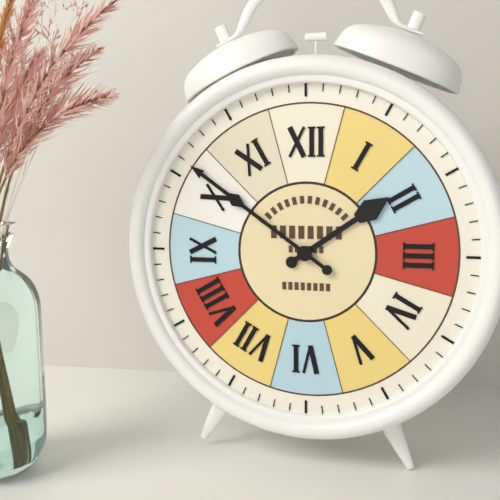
1:51
